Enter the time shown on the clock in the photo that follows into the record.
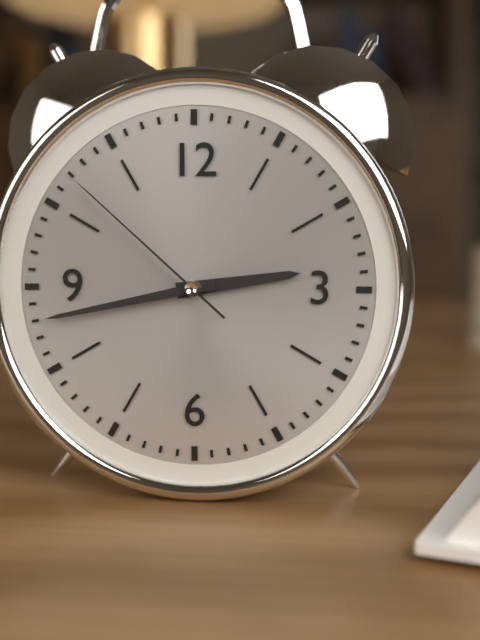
2:43:52
